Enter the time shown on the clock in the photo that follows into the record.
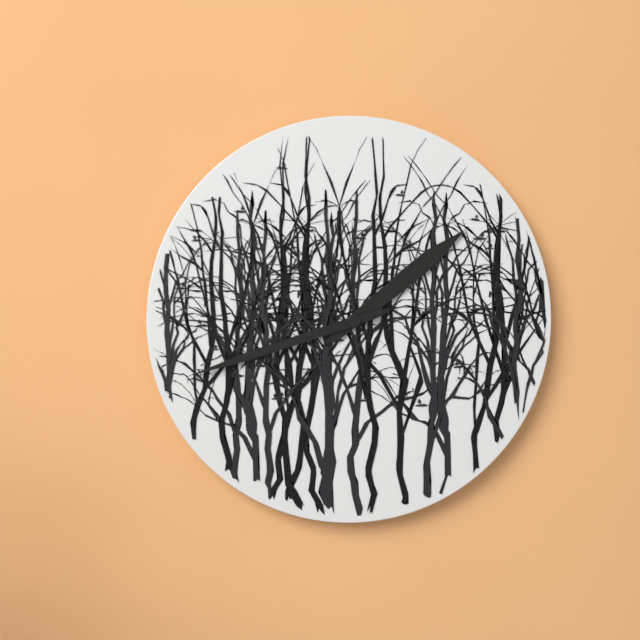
1:42
